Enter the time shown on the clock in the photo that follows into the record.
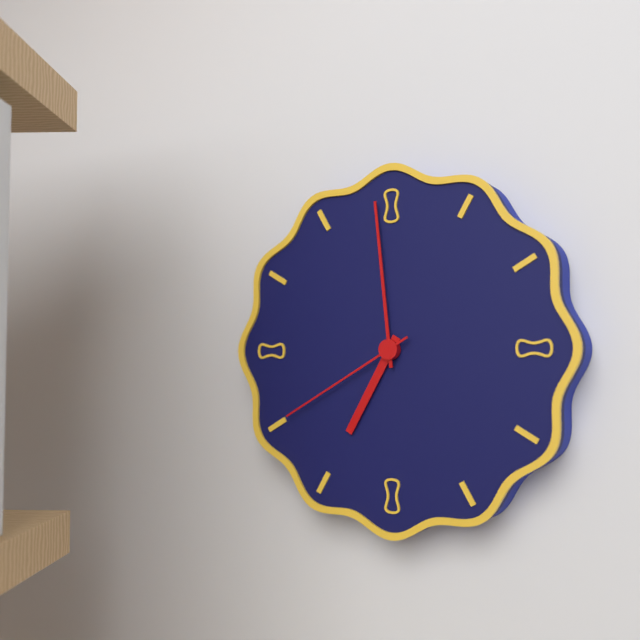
6:59:40
